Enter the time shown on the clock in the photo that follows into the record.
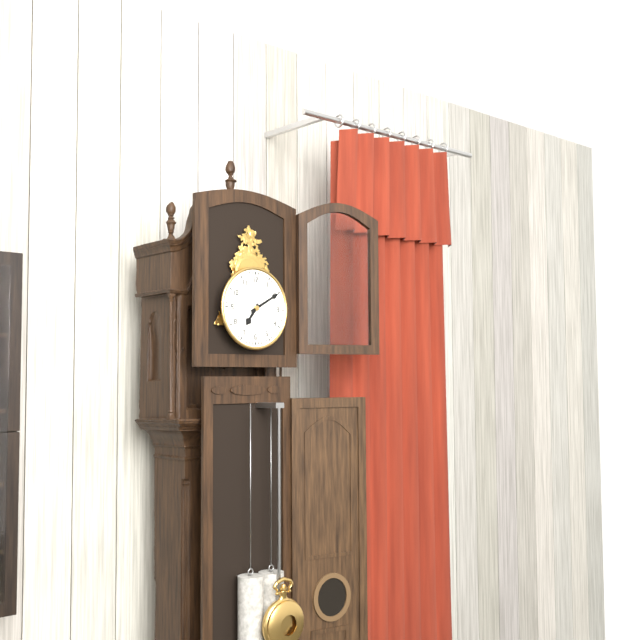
7:10
